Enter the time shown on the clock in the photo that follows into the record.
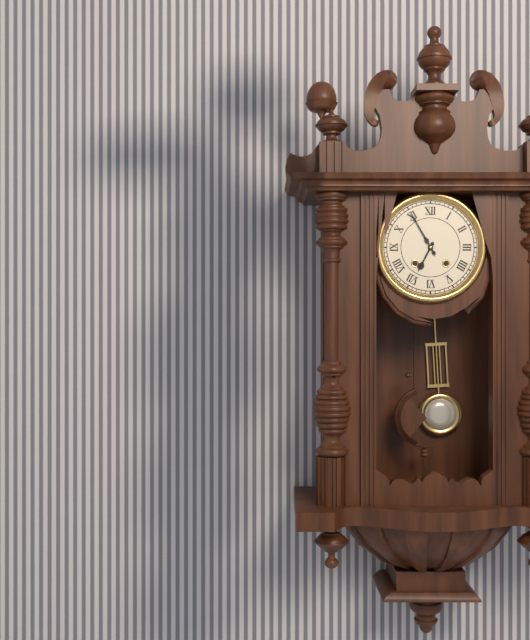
6:55
